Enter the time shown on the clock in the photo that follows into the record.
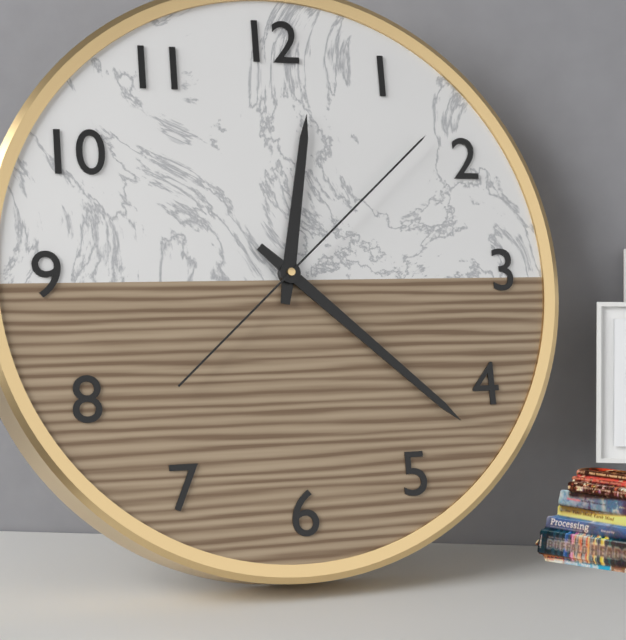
12:22:08
